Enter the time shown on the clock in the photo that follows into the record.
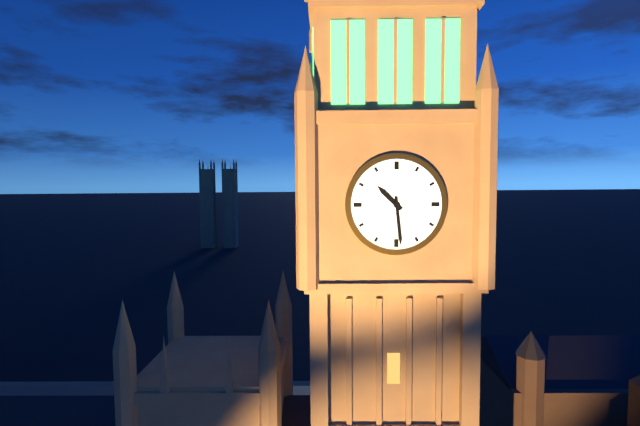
10:29
